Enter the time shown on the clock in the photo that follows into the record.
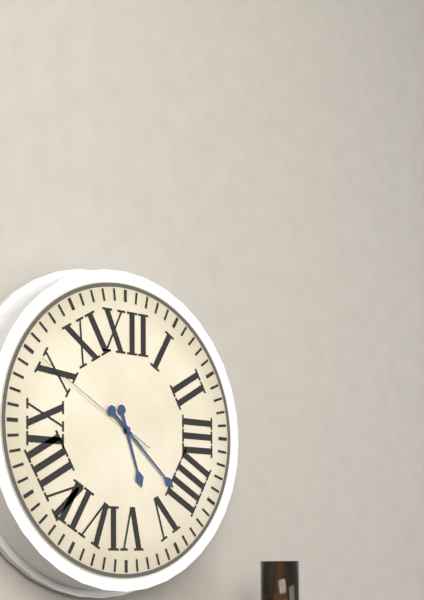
5:22:50
